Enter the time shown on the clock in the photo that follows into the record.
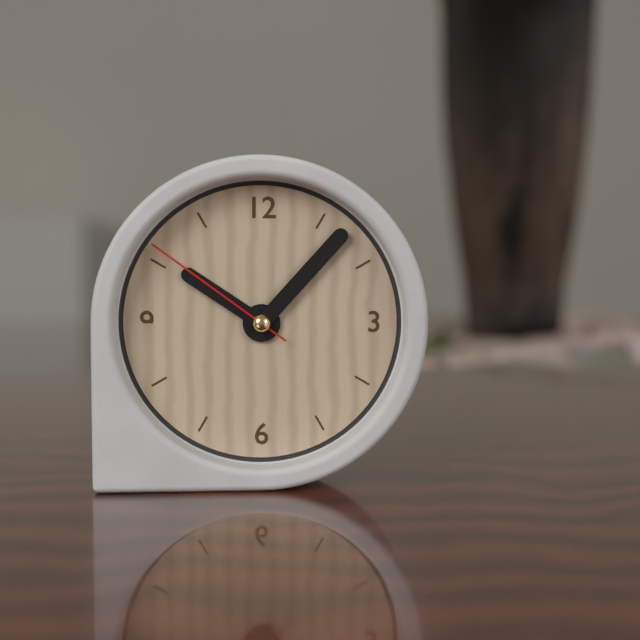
10:07:51
